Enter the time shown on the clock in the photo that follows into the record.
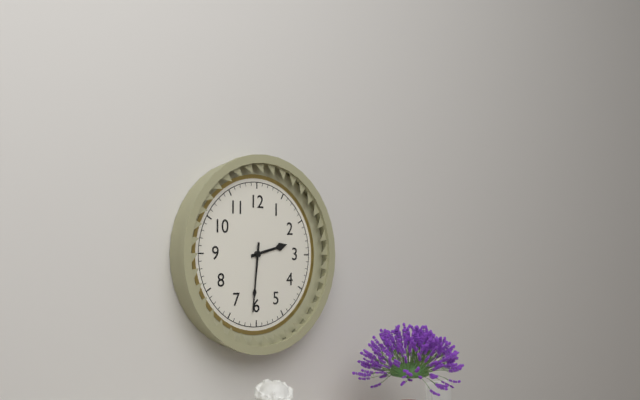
2:31
